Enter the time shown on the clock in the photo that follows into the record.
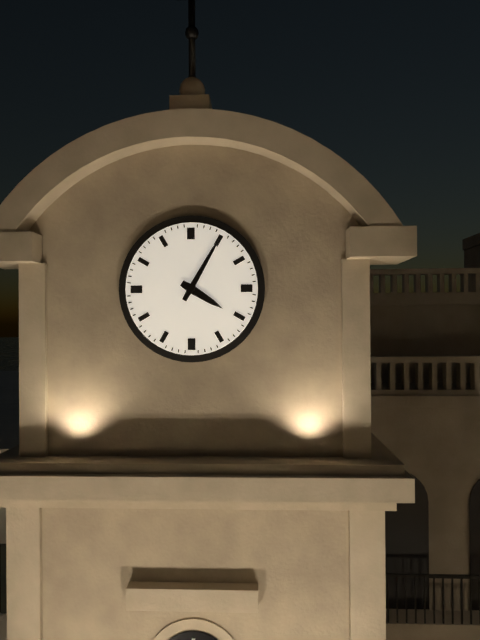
4:05
